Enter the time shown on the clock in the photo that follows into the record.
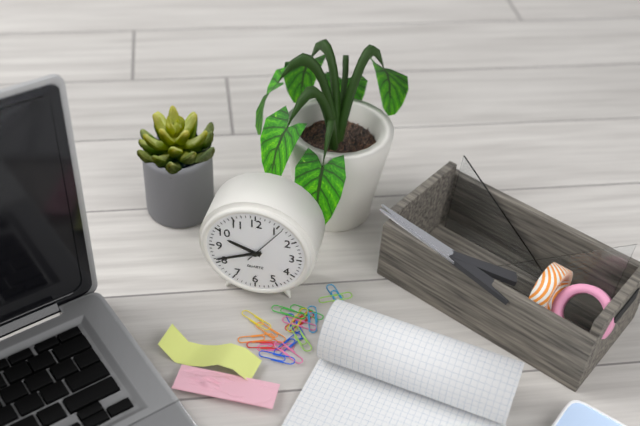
9:41
